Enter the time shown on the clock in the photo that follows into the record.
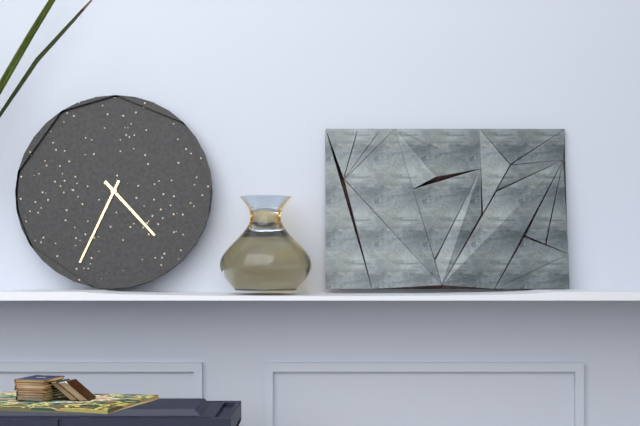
4:34
